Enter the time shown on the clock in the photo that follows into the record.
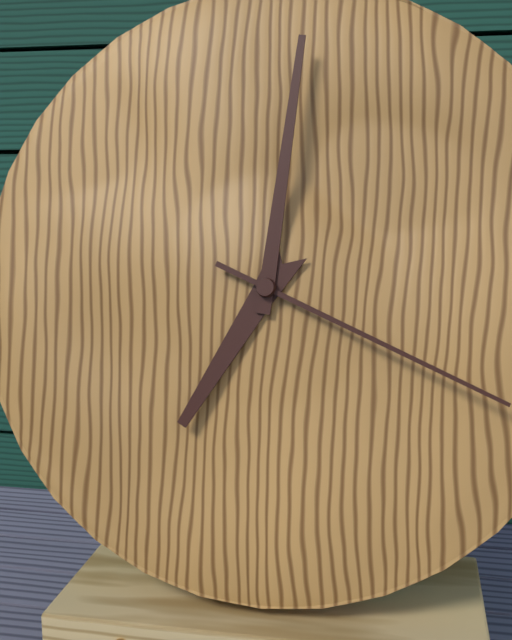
7:01:19
